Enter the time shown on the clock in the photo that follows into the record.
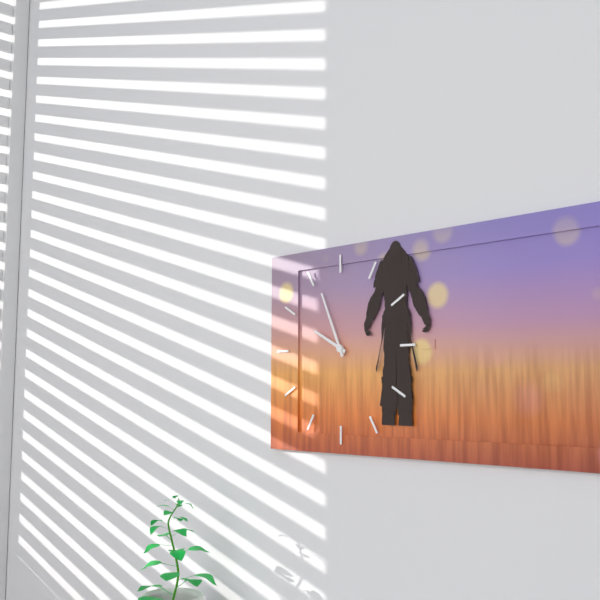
9:56
